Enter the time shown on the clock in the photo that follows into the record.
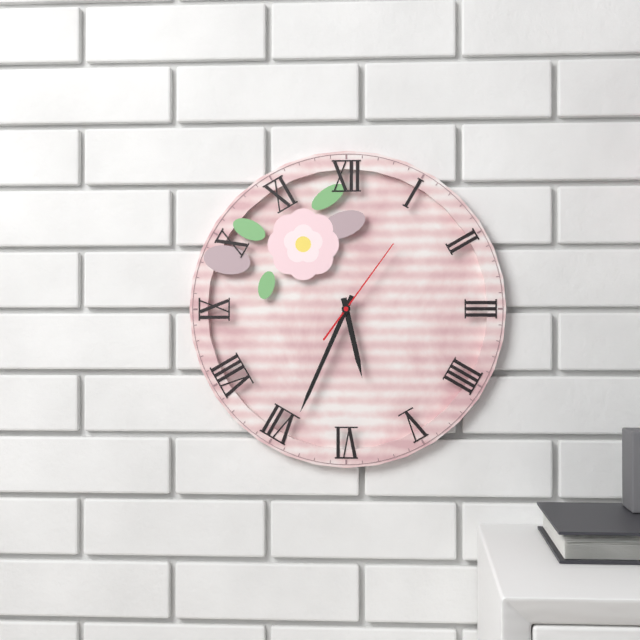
5:34:06
